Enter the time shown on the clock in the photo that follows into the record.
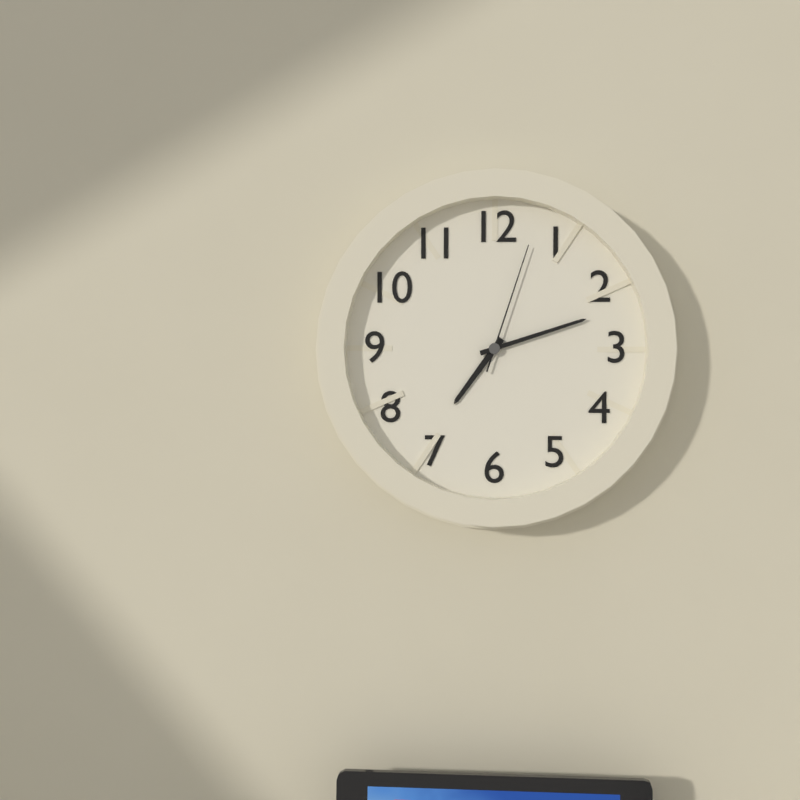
7:12:03
